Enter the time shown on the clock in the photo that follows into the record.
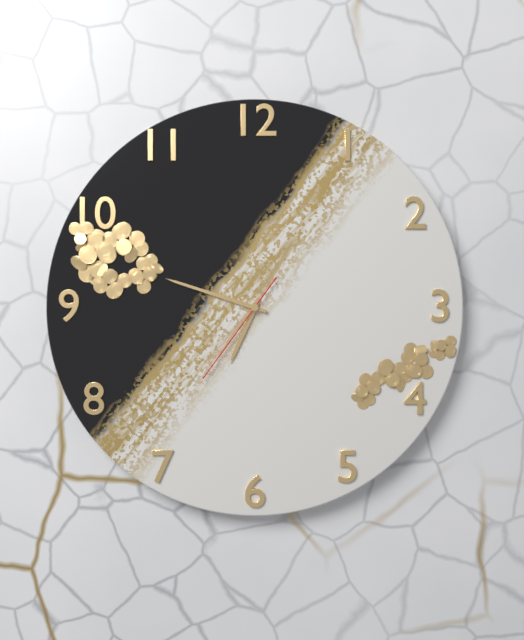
6:48:36
